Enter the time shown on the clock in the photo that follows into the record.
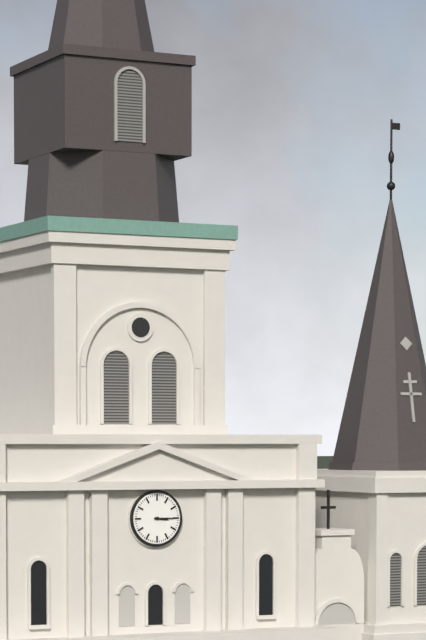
3:15
